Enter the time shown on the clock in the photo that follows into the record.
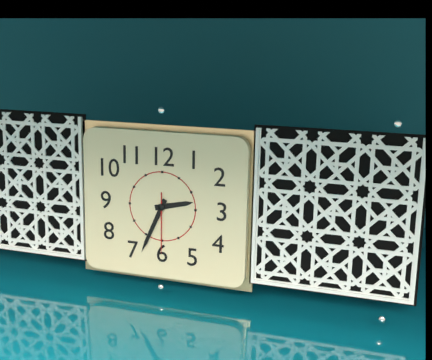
2:34:30
